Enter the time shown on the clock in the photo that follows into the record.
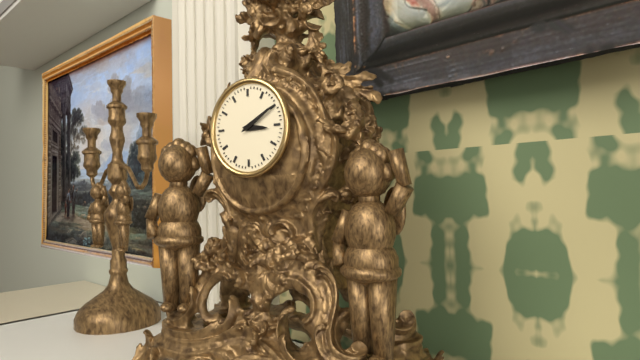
3:10
